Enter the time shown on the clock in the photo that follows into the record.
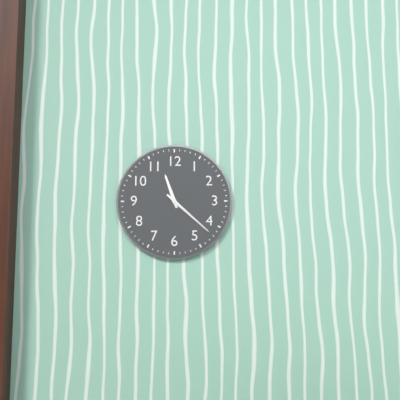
11:22
